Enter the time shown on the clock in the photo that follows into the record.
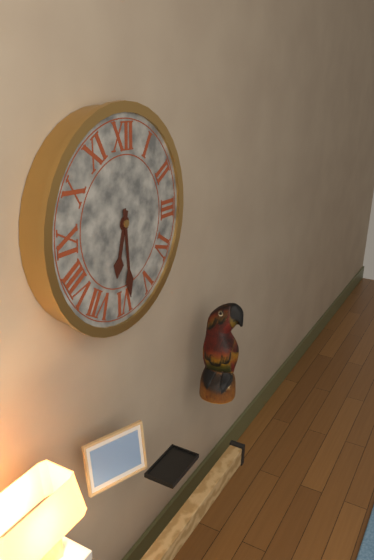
6:29
